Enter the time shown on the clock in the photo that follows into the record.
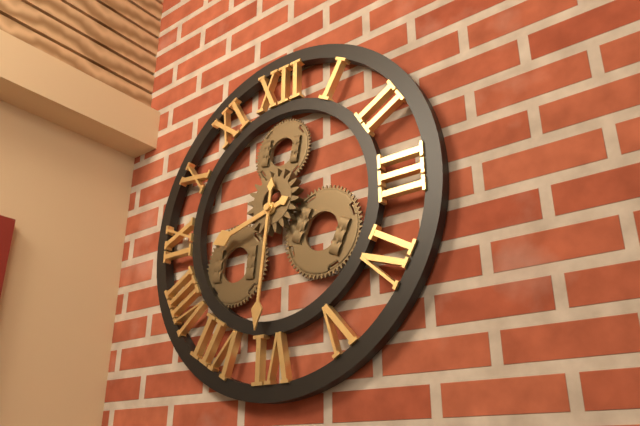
8:31
